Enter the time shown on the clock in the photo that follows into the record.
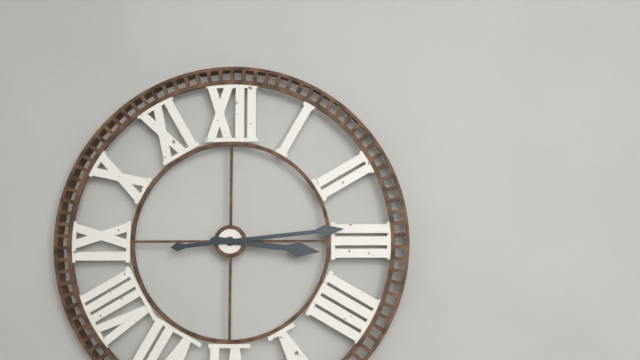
3:14
